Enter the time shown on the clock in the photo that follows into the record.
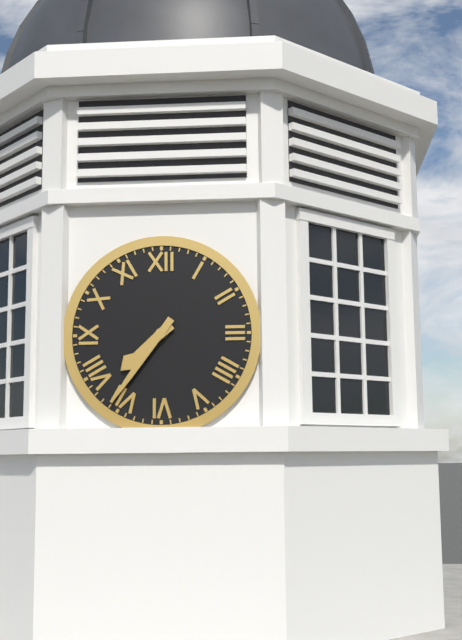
7:36
